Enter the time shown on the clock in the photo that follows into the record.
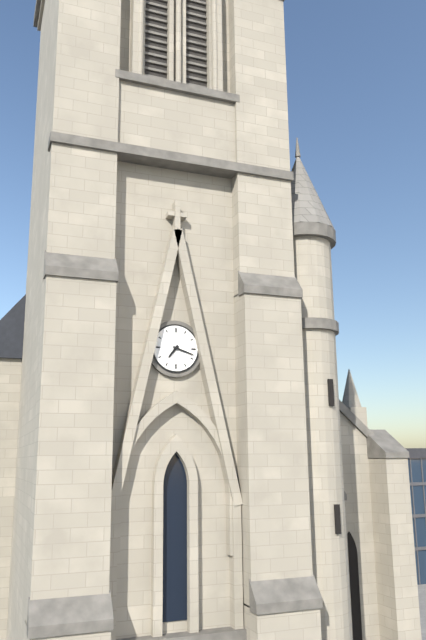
7:18
